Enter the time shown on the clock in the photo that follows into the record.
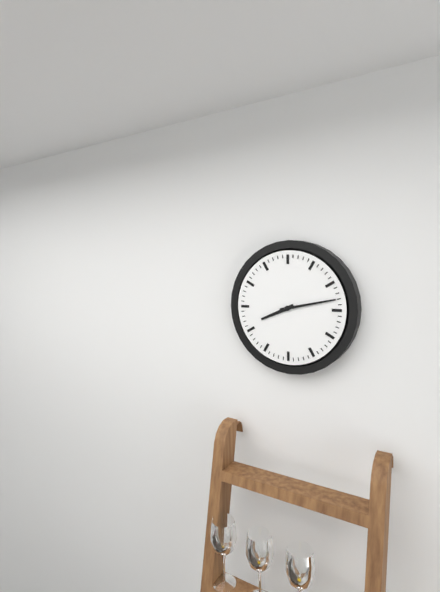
8:13
